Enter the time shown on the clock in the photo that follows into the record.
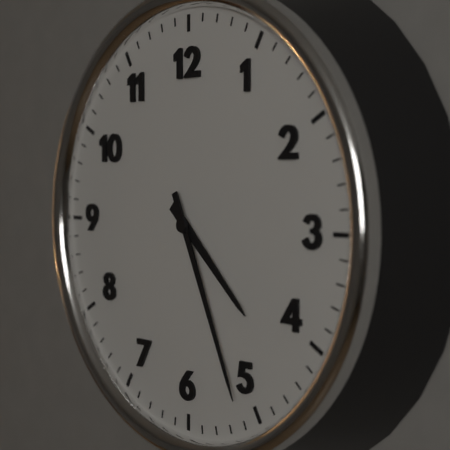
4:26
